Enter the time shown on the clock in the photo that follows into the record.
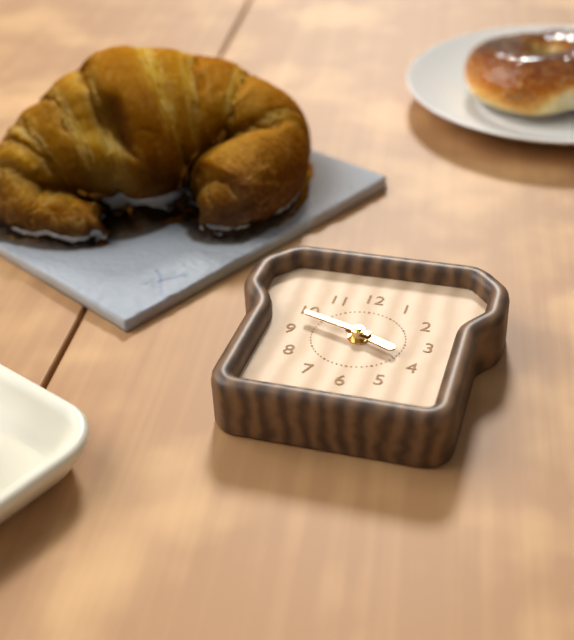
3:48
